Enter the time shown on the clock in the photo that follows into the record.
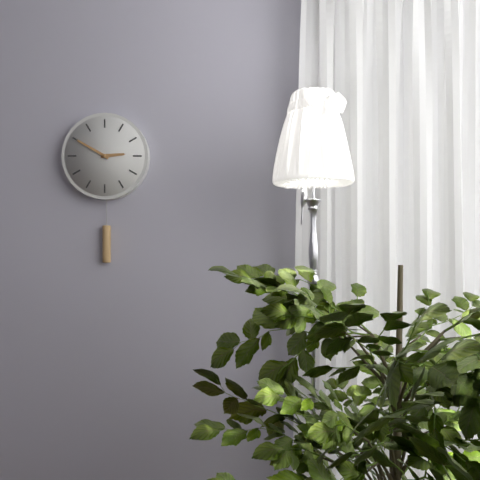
2:50
